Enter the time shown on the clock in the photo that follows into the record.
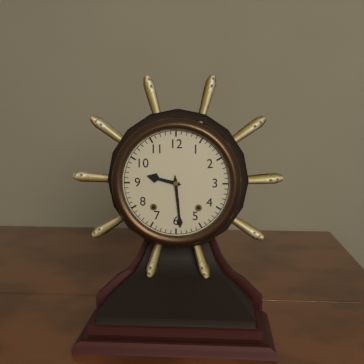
9:29
